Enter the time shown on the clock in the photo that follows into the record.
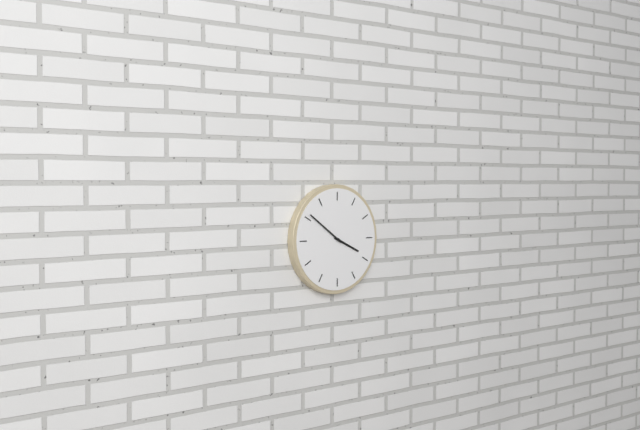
3:51
